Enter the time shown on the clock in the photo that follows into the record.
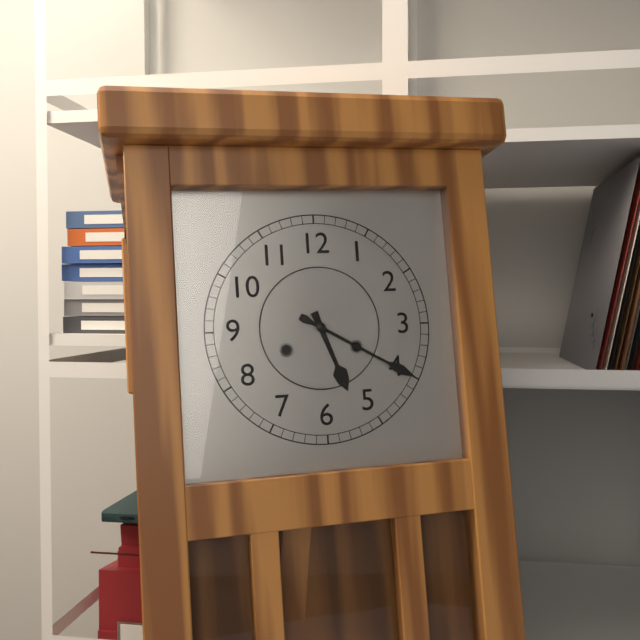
5:20
